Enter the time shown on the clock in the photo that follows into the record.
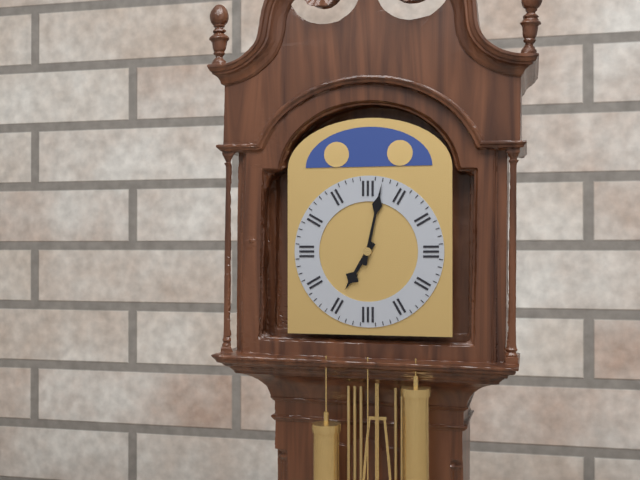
7:02
